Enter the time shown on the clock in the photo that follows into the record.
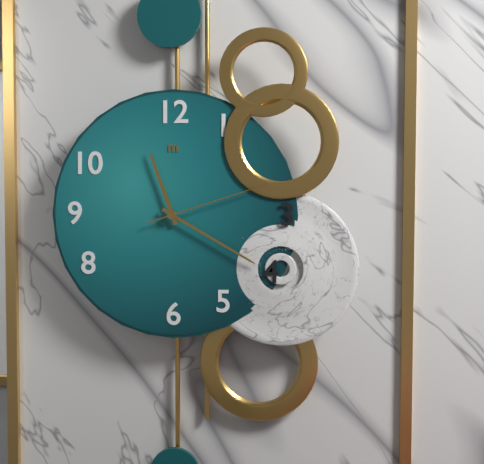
11:20:12
